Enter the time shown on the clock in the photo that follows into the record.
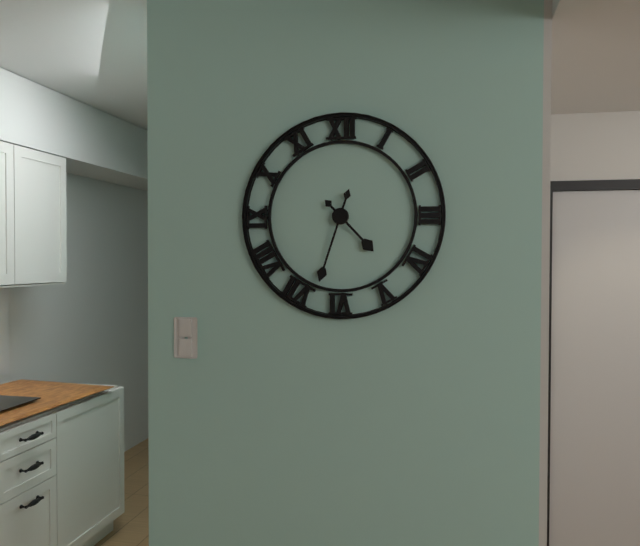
4:33
